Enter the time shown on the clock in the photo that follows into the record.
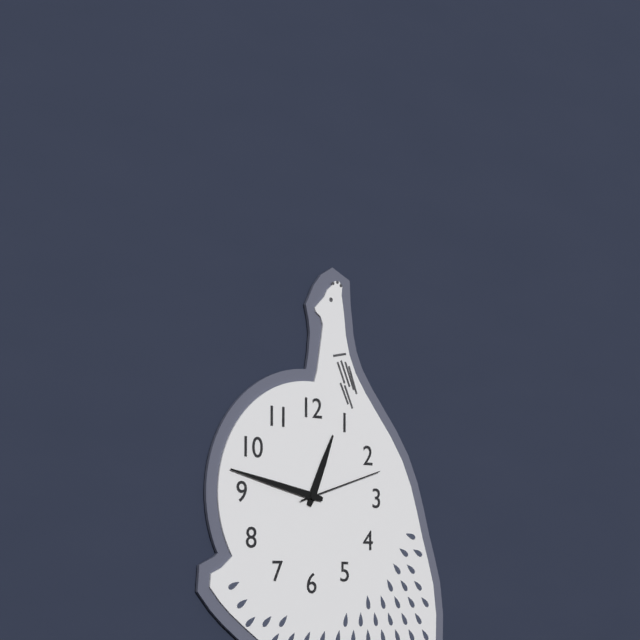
12:47:12
